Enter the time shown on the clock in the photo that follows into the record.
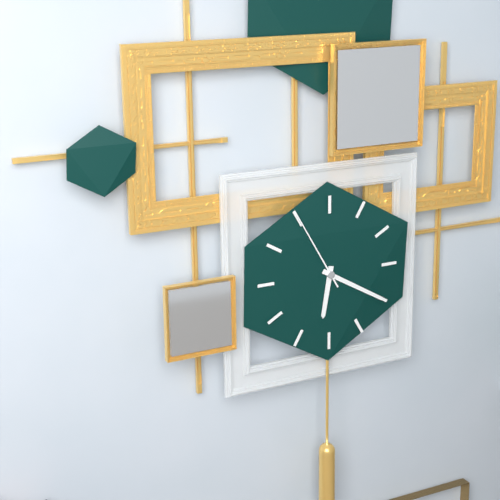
6:20:55
